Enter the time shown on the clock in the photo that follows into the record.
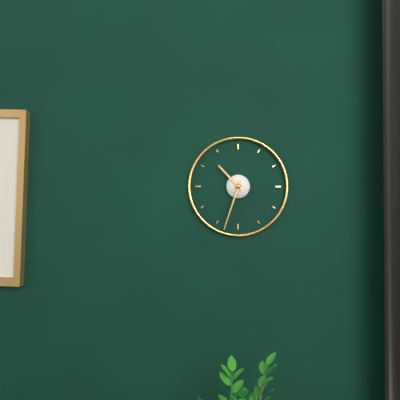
10:33
